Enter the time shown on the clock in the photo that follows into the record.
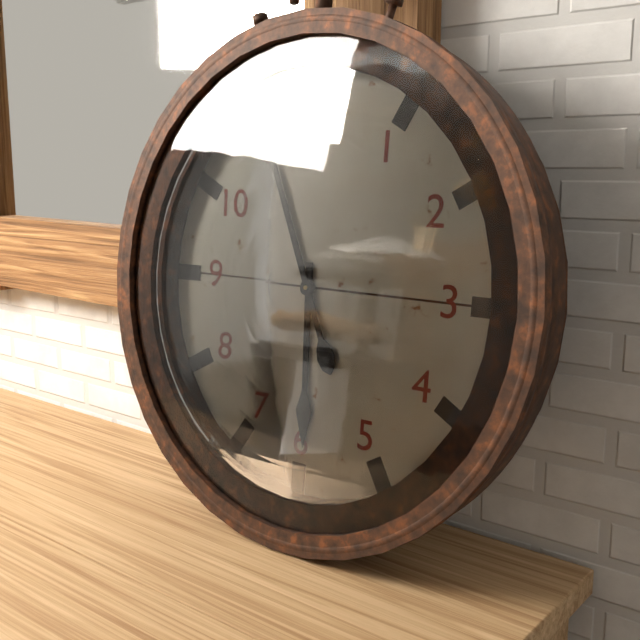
5:56
